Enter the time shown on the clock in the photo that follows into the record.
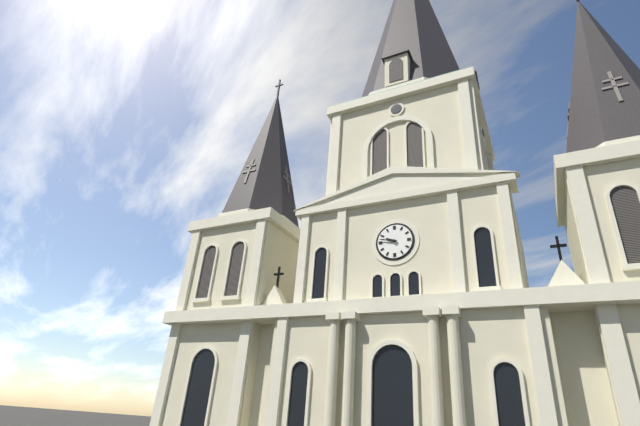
9:47
